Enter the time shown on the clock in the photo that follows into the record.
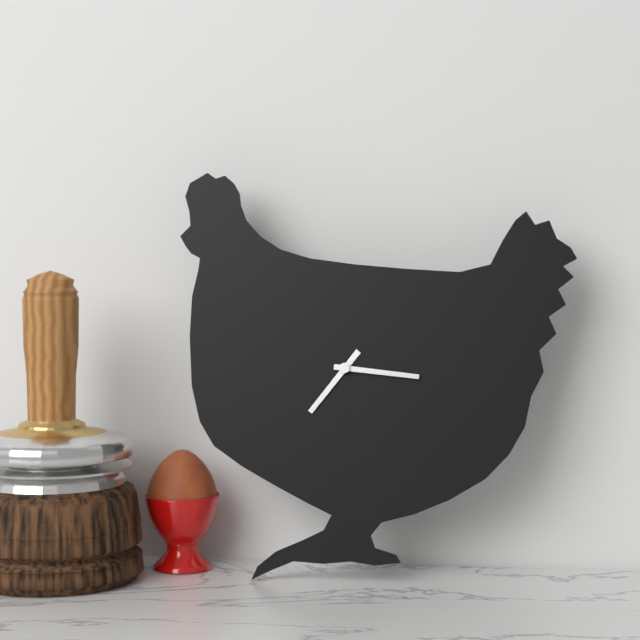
7:16
